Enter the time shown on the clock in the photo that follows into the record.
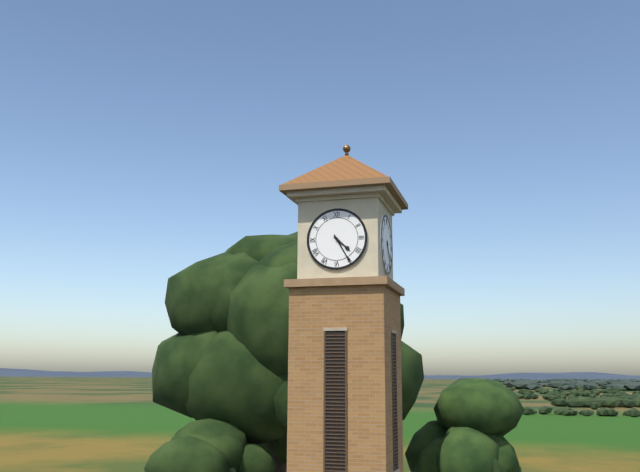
4:25
